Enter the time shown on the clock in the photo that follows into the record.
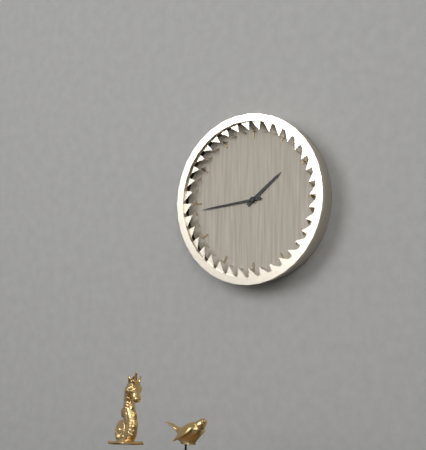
1:44
